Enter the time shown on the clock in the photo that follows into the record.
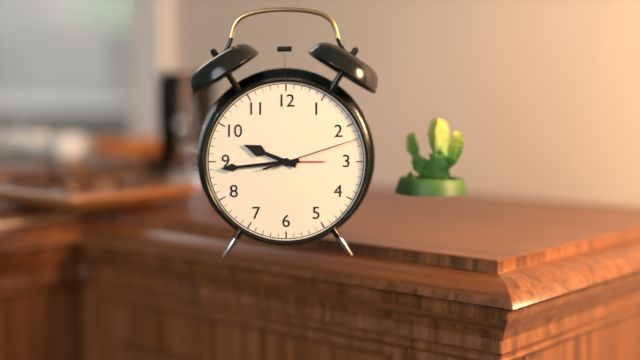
9:44:12
